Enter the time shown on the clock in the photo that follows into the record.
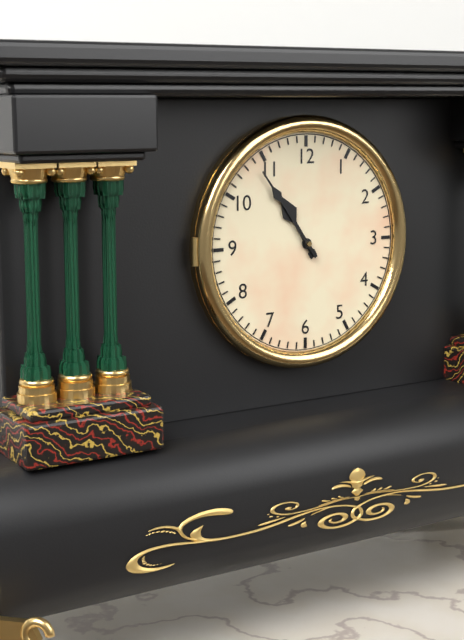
10:54
